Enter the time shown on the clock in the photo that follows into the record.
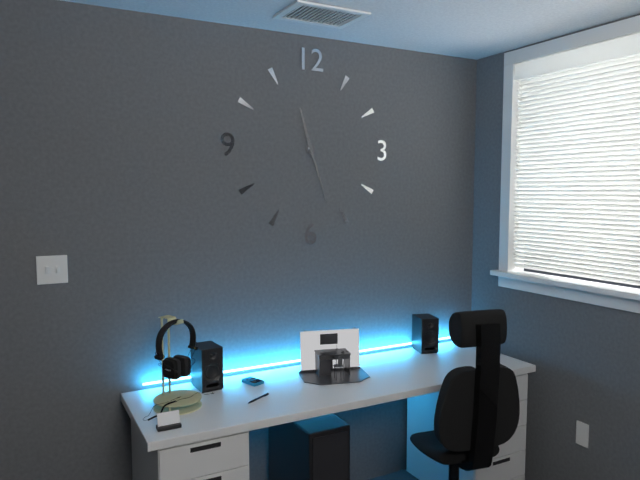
11:27
